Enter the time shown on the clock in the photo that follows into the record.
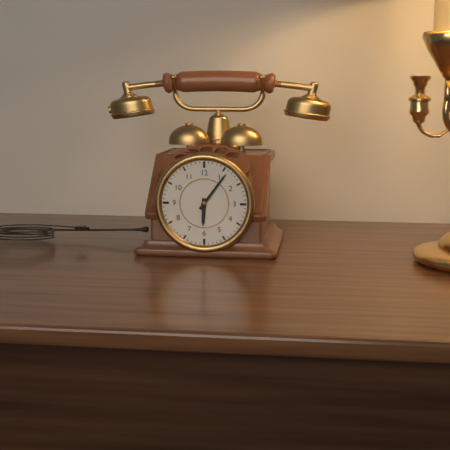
6:06
